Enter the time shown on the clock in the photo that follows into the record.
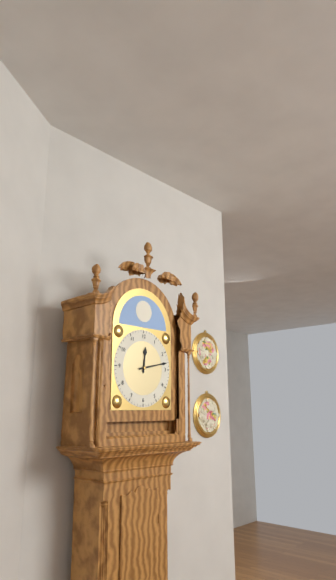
12:13
